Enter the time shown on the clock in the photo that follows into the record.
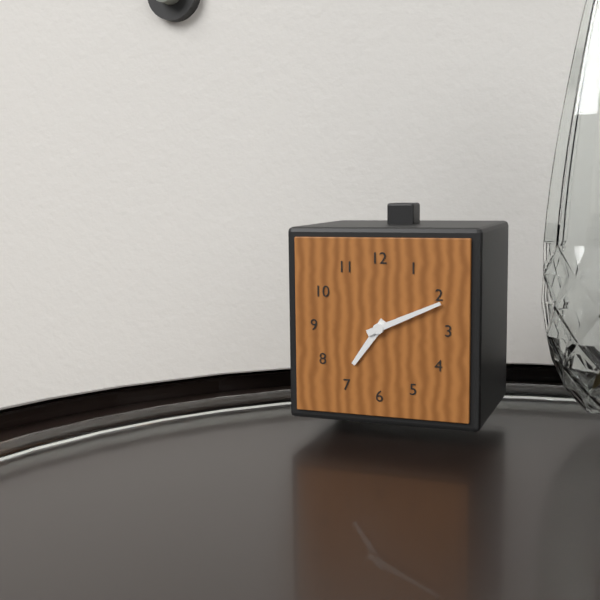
7:11
